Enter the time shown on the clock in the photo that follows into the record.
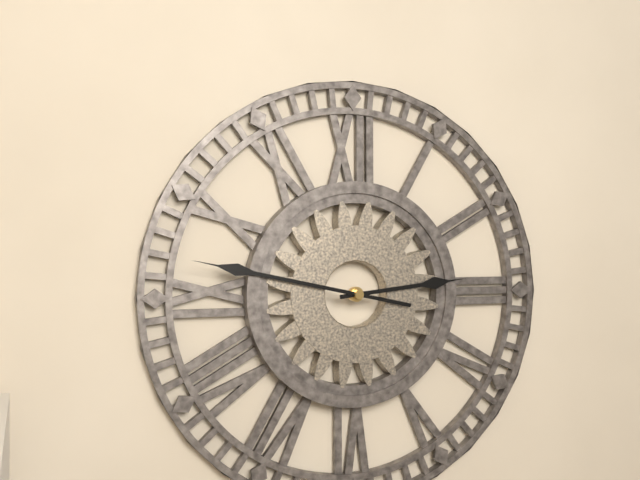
2:47
